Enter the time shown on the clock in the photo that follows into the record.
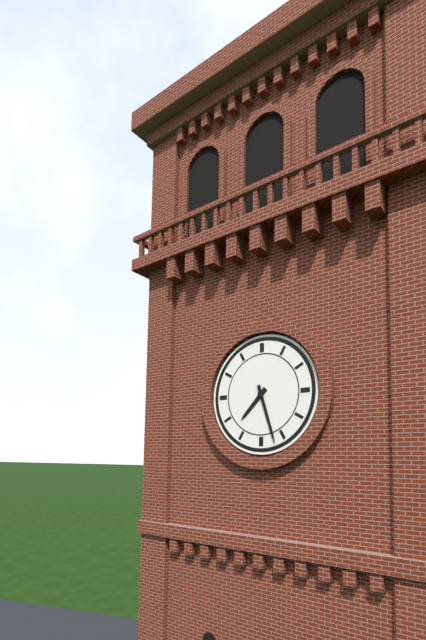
7:27
